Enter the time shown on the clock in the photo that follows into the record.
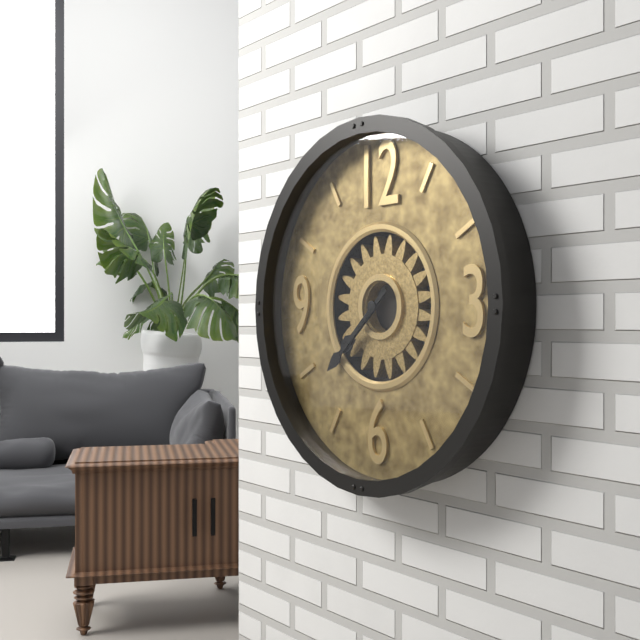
7:38
